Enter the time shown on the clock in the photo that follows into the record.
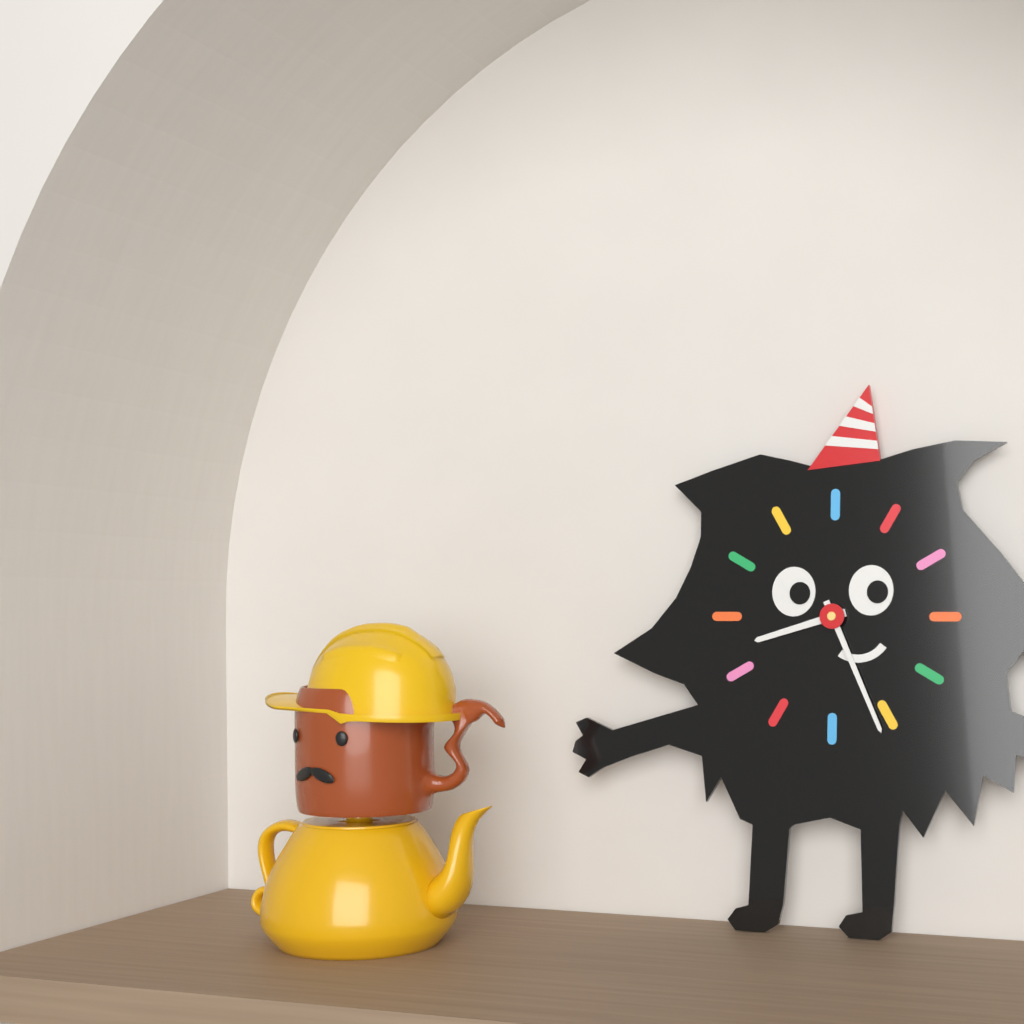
8:26
